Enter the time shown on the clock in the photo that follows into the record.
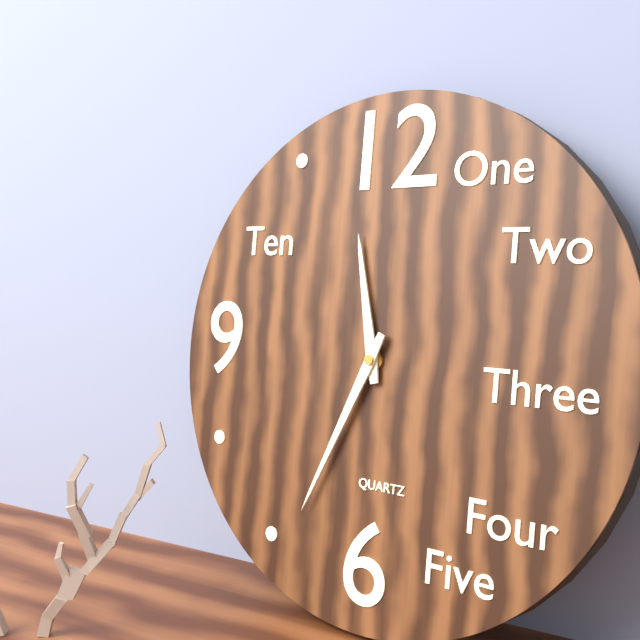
11:34
